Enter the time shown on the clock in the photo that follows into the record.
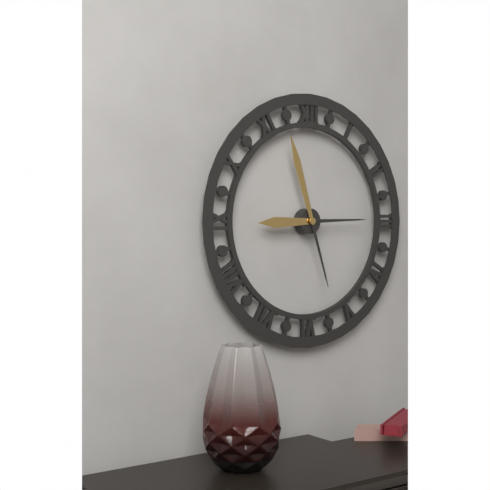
8:57
